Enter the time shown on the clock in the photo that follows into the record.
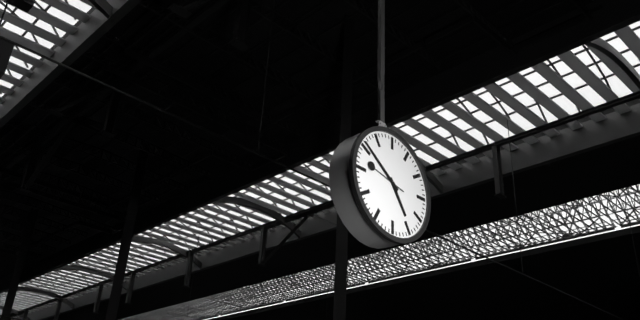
4:51
